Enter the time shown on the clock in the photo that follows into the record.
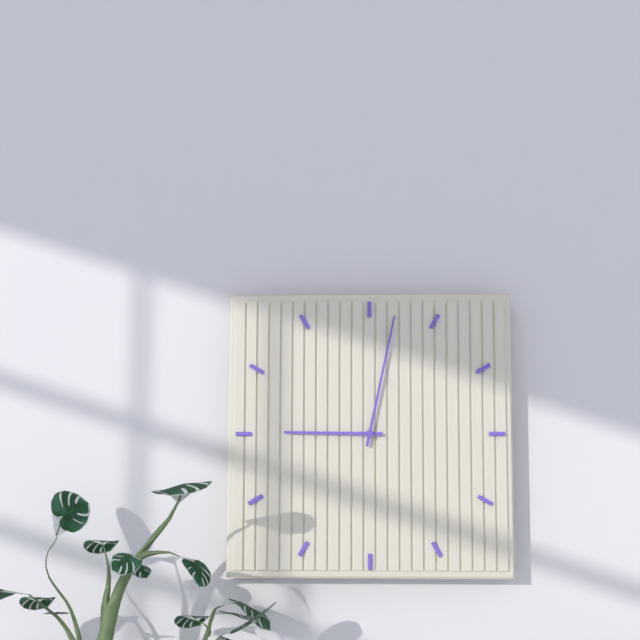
9:02
